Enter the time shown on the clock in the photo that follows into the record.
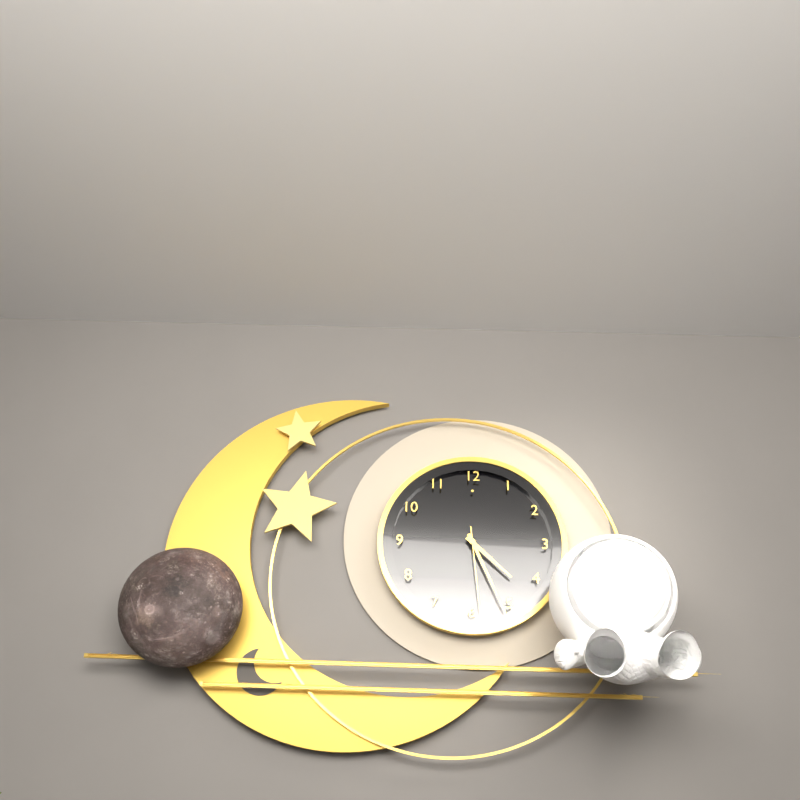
4:26:29
